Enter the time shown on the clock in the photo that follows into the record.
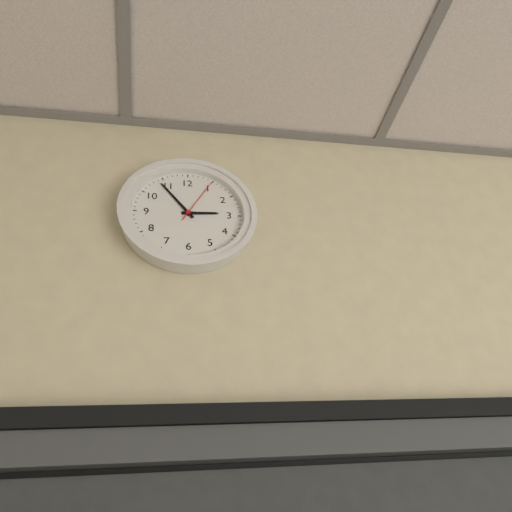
2:54
